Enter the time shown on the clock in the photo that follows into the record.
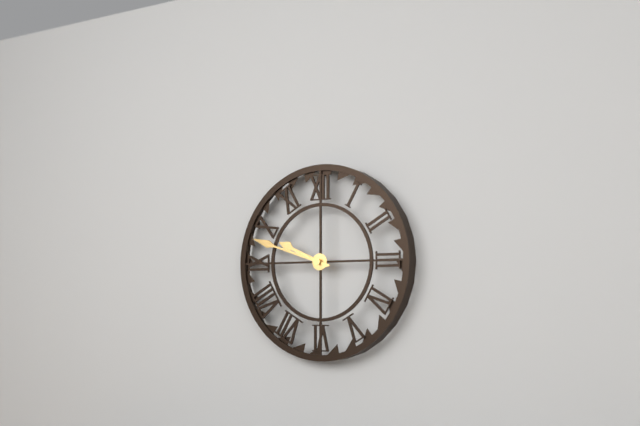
9:48
